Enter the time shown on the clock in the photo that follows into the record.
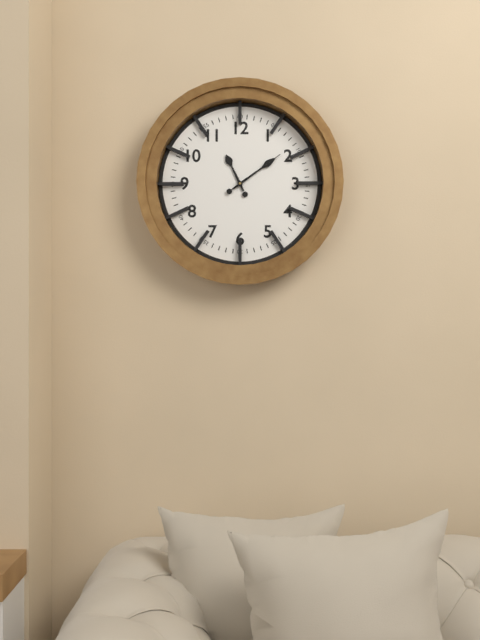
11:09:09
